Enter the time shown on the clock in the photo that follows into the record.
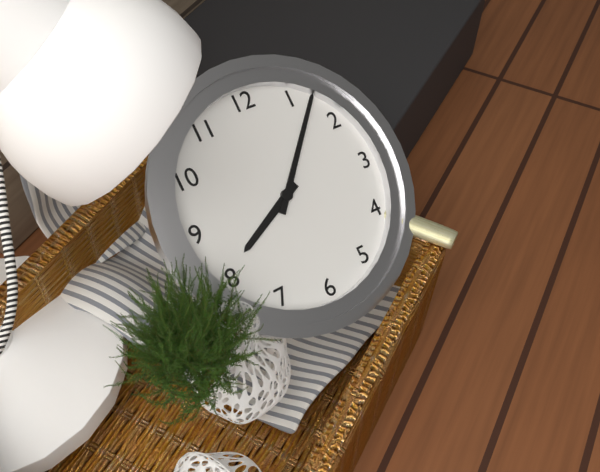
8:07
